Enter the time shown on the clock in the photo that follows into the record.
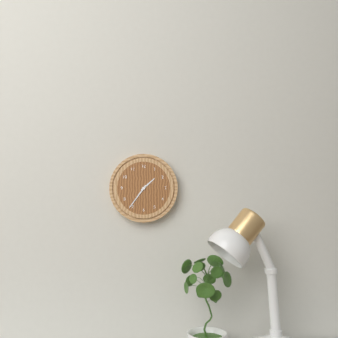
1:36
